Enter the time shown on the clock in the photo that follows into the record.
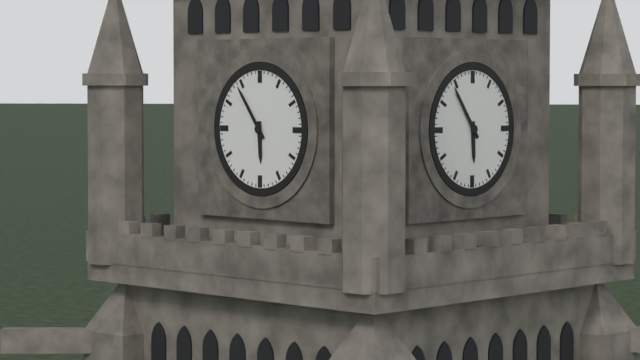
5:54
